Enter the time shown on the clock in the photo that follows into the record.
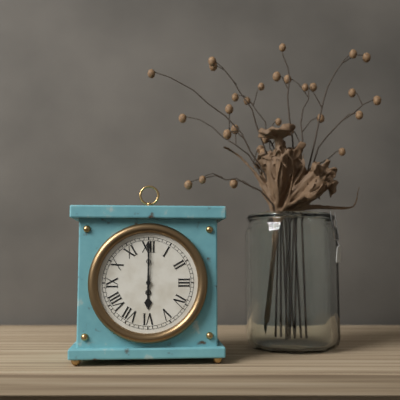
6:00
